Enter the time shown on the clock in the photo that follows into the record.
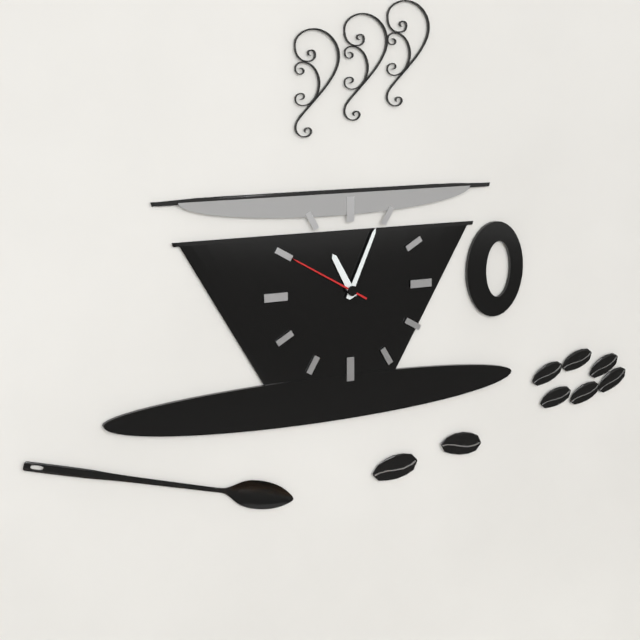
11:04:50
